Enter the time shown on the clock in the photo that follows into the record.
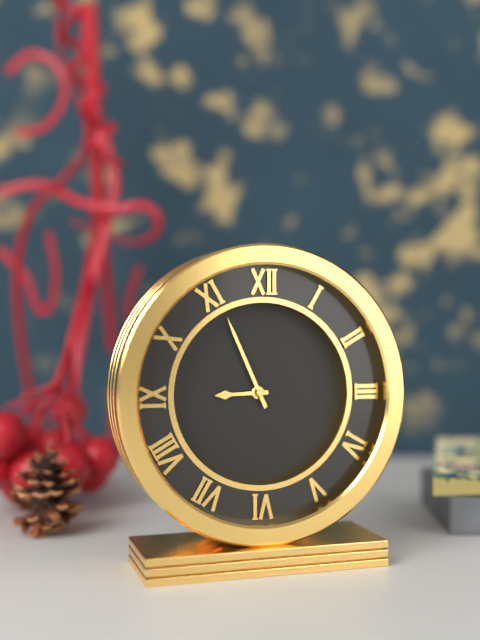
8:56
